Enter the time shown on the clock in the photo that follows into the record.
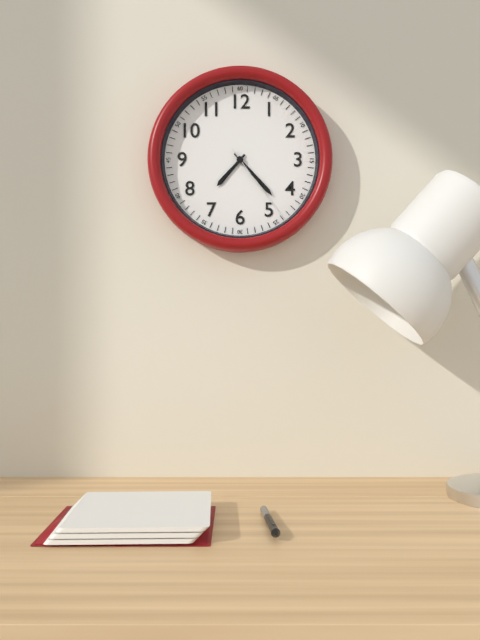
7:23:24
